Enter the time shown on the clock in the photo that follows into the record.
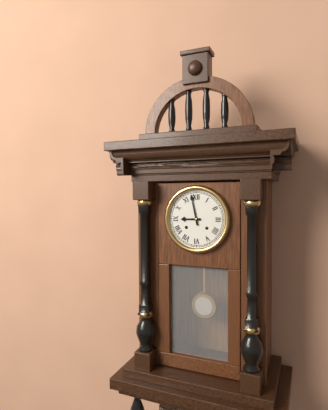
8:58
